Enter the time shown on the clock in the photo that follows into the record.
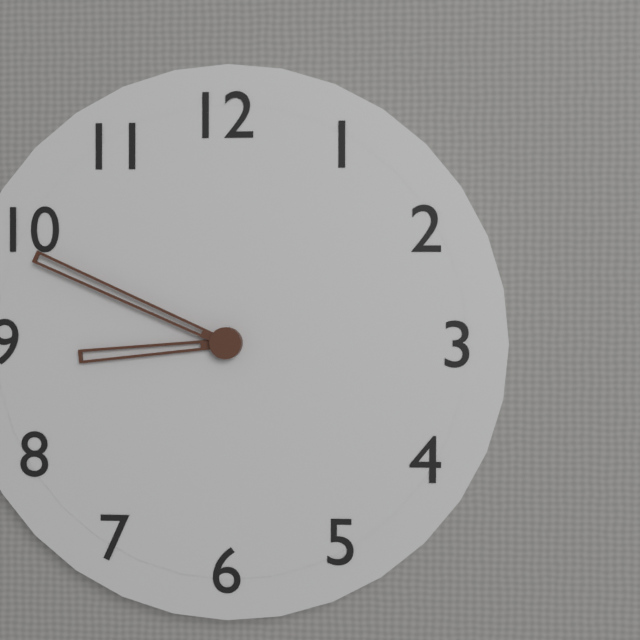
8:49
